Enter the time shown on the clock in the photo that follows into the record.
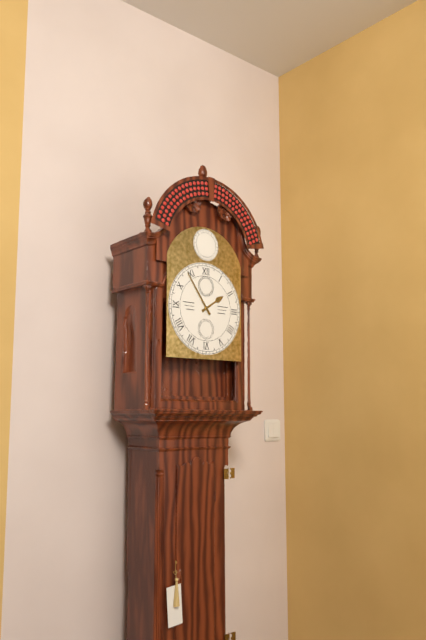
1:54
